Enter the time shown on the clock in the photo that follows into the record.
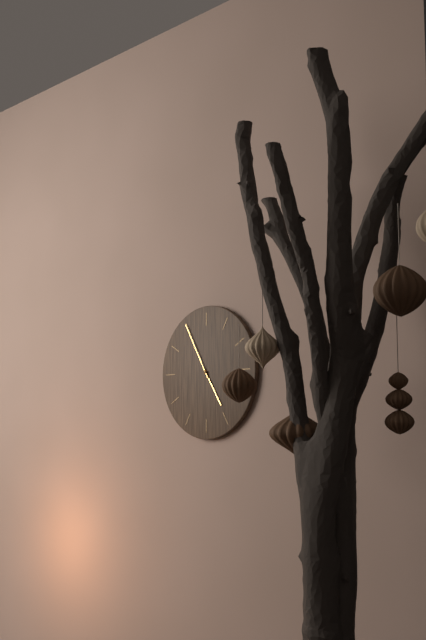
4:55
